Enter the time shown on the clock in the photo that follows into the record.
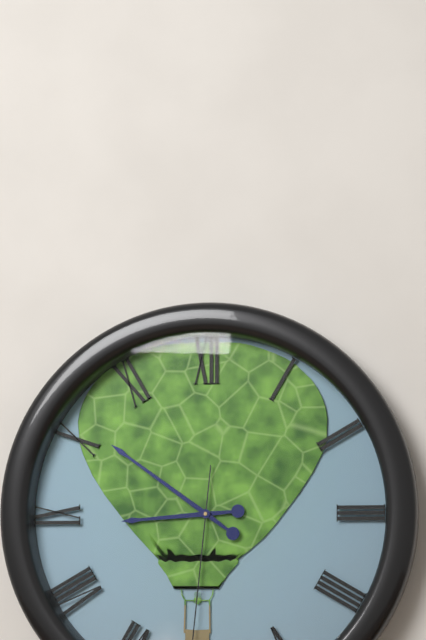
8:51
